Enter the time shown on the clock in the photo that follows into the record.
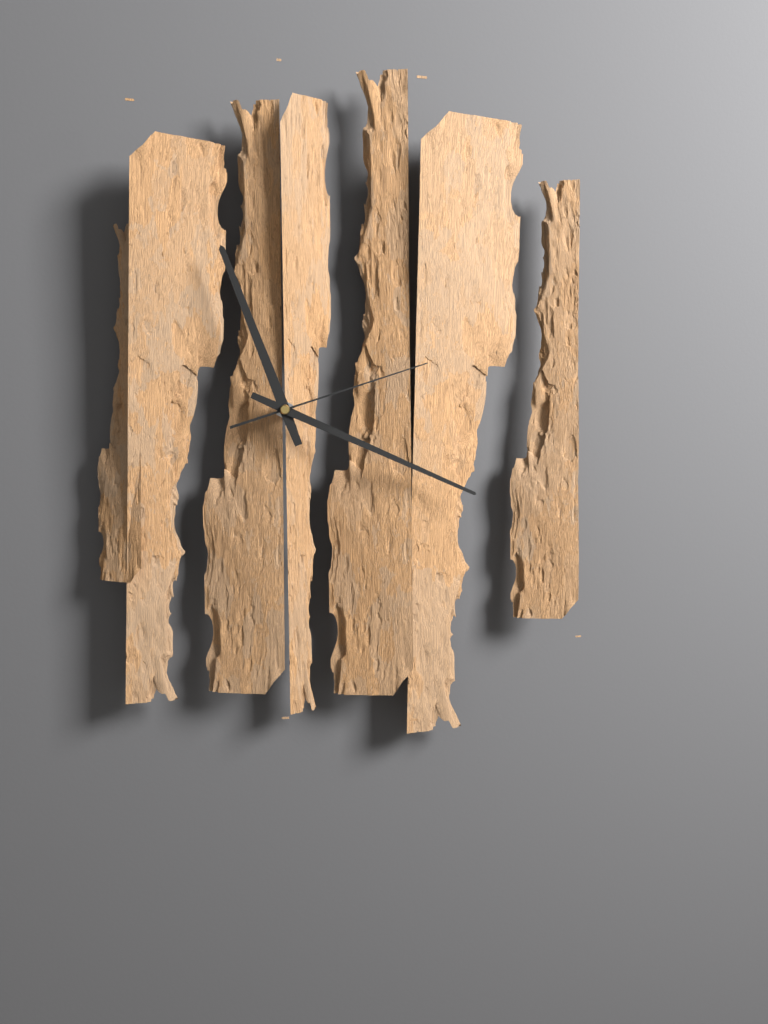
11:19:12
